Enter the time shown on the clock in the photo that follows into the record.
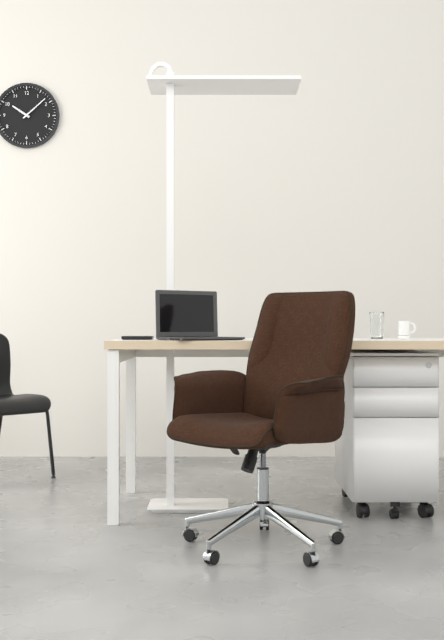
10:08
